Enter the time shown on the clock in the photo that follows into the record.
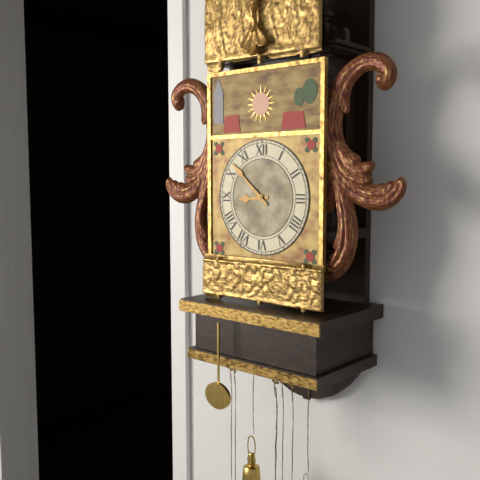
8:52
